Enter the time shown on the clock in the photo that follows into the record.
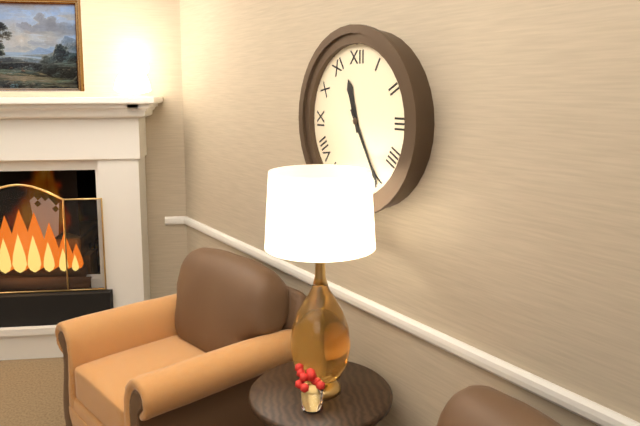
11:25
